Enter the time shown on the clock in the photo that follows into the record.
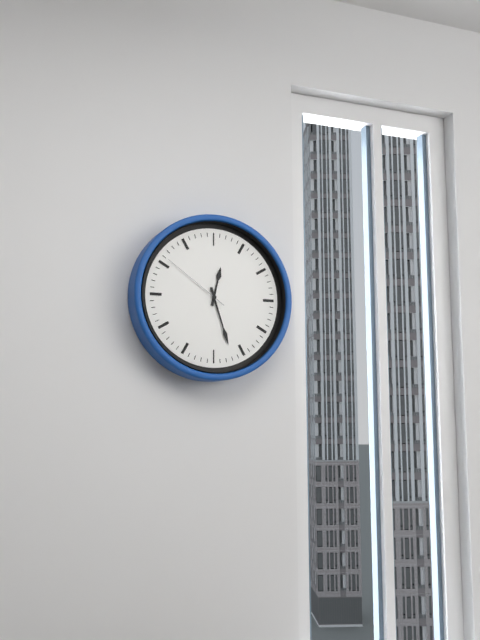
12:27:51
